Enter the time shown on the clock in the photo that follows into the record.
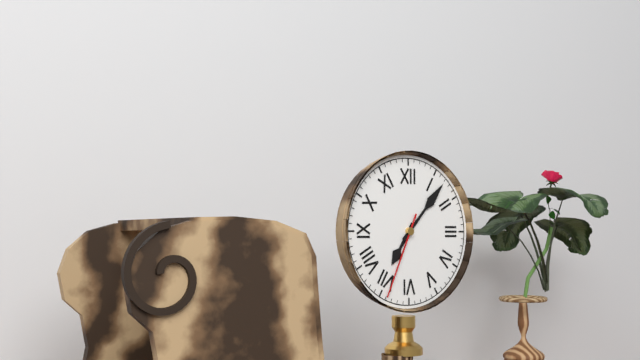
7:07:34
